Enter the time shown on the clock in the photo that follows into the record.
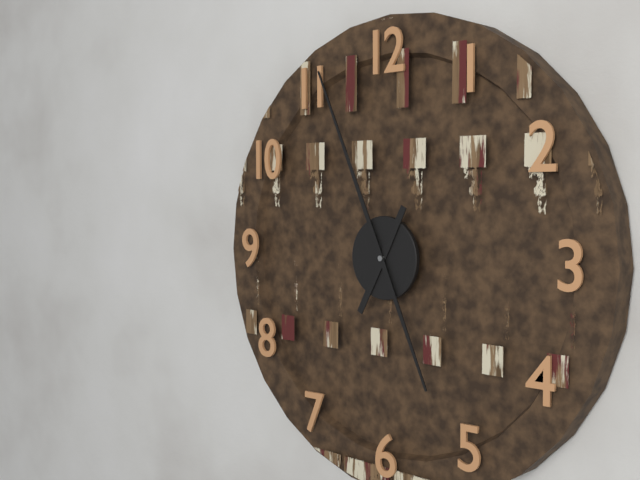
6:56
